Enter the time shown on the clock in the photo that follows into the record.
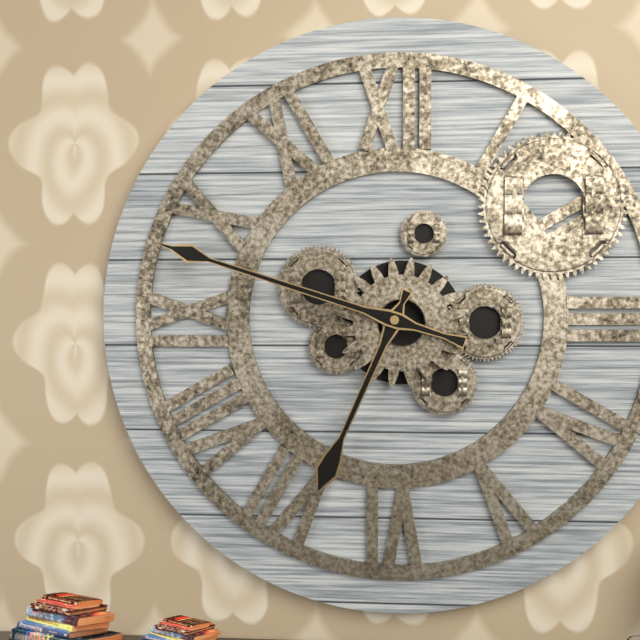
6:48
